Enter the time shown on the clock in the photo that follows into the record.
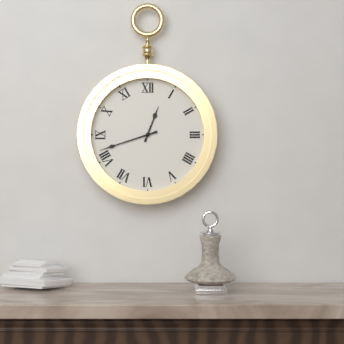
12:42
